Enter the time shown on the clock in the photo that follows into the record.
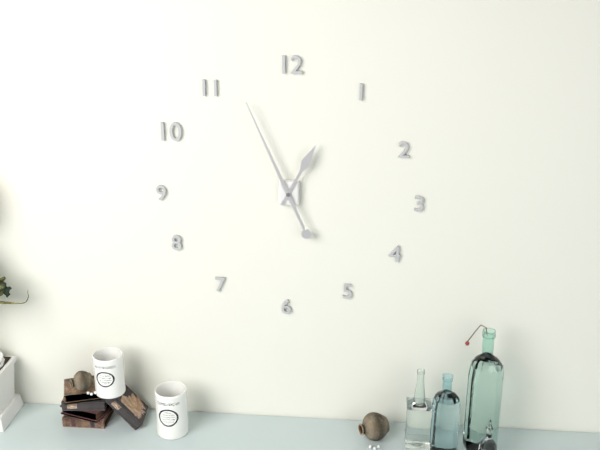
12:56
